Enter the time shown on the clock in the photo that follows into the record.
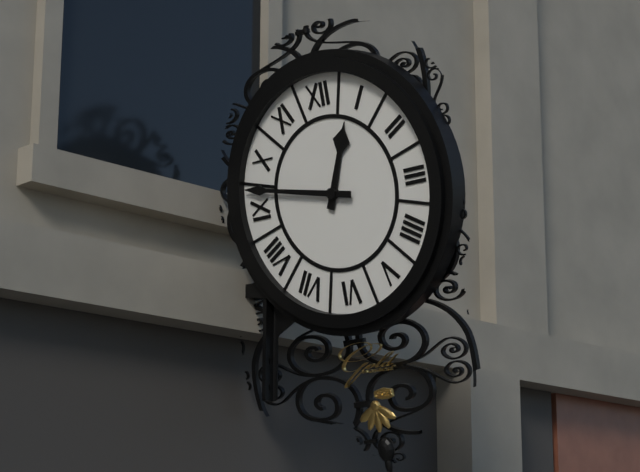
12:47
